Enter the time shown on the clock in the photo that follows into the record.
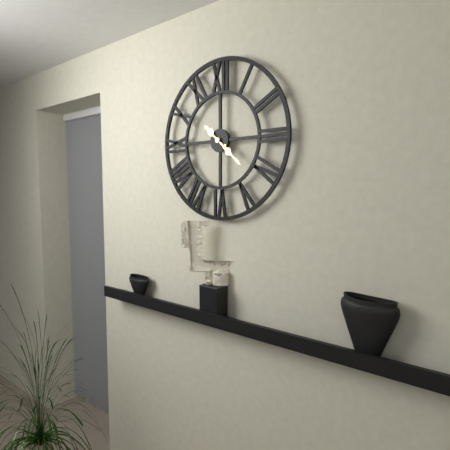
10:22
